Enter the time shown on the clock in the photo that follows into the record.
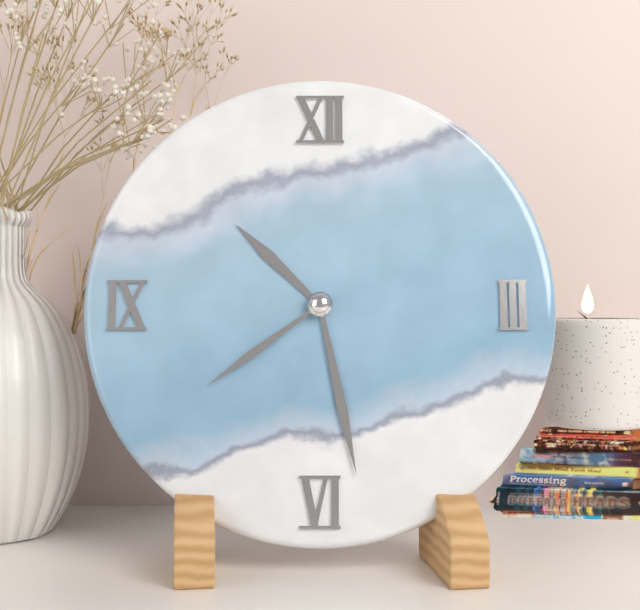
10:28:39
